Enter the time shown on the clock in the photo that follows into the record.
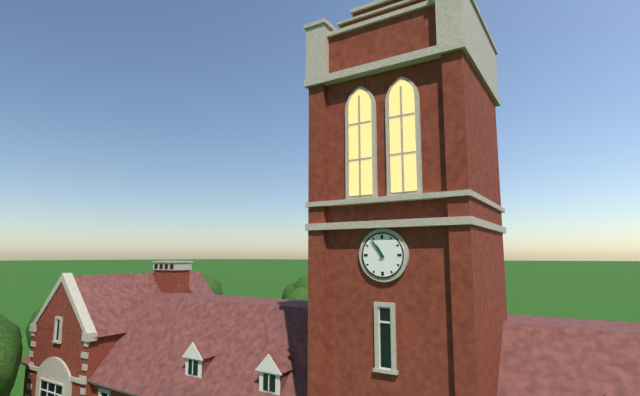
10:54
